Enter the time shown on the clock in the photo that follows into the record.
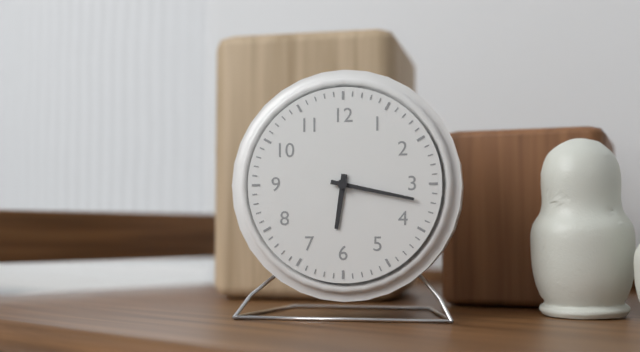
6:17
